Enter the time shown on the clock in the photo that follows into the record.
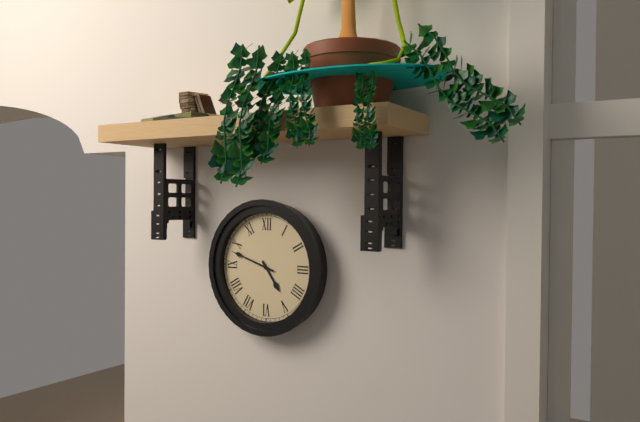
4:48
